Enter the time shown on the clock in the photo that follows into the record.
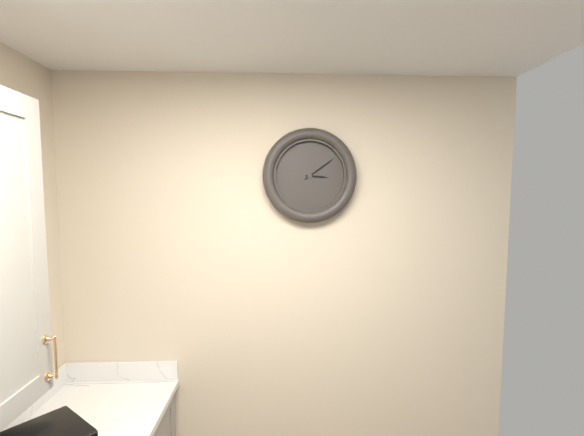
3:09
